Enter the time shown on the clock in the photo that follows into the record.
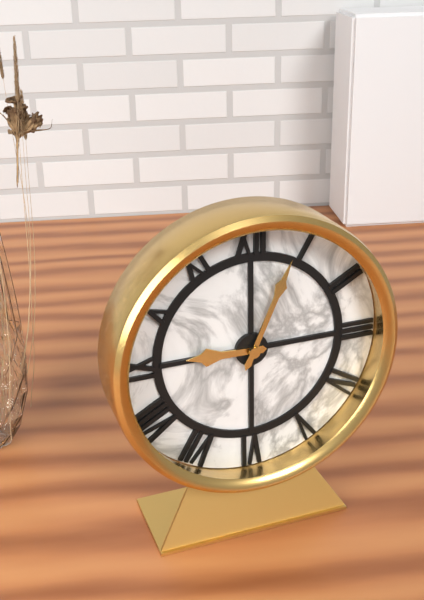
9:04
